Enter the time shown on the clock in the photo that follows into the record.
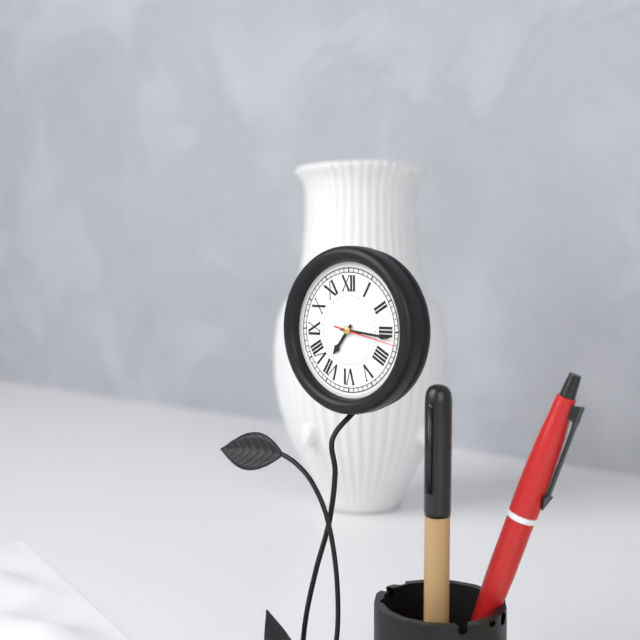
7:16:17
